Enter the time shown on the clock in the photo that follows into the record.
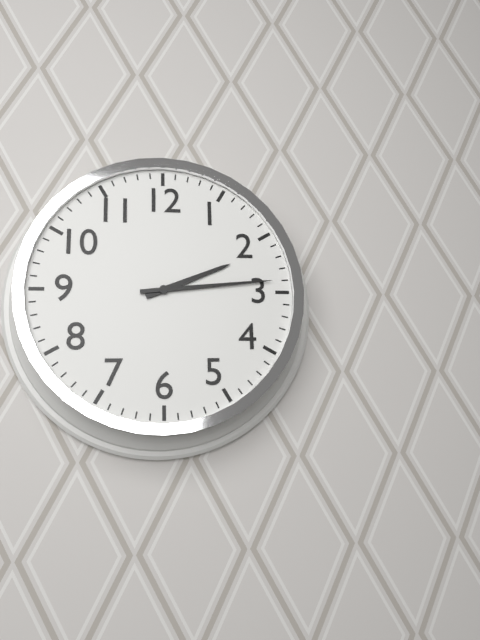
2:14
